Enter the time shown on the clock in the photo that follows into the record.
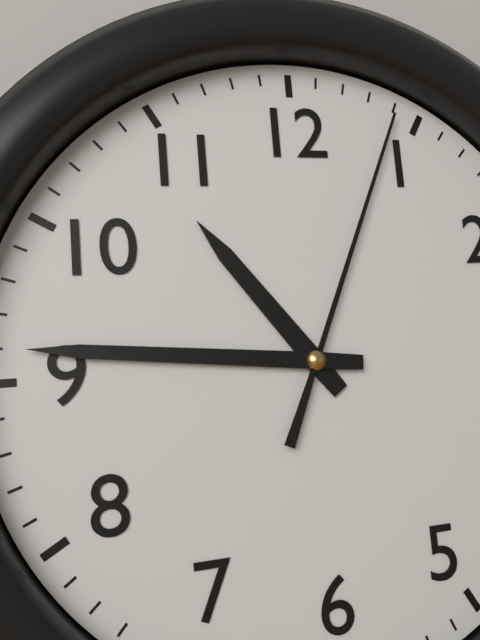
10:46:04
